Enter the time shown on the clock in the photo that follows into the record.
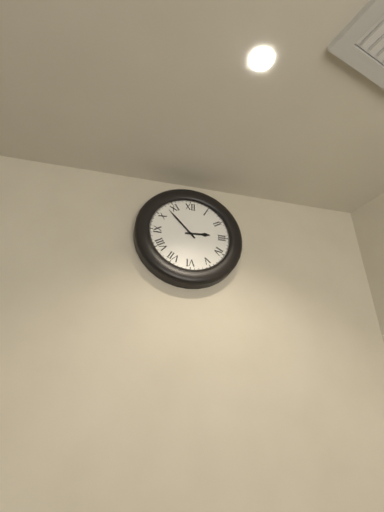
2:53
